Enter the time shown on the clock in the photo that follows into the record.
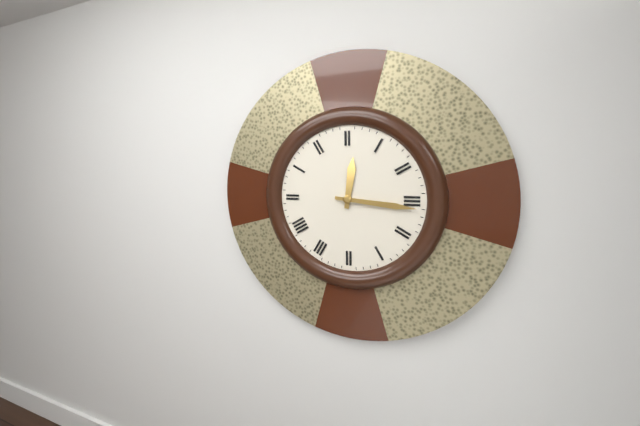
12:16
